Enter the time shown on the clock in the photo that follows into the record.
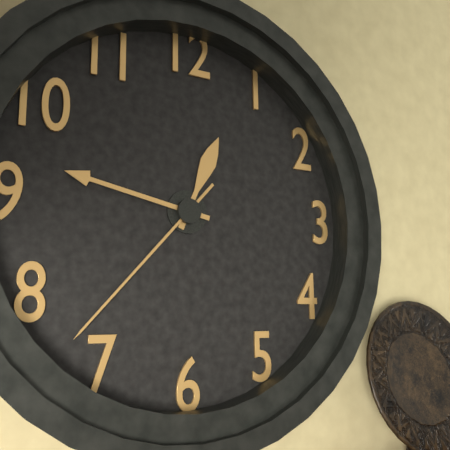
12:47:37
